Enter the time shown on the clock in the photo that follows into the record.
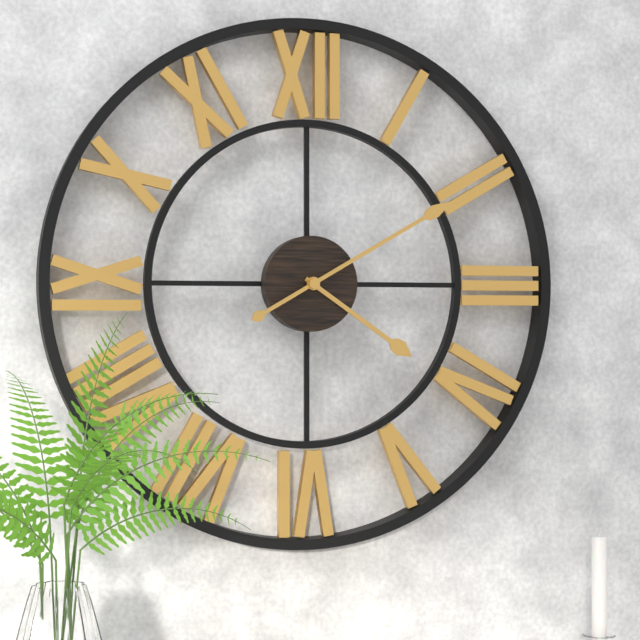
4:10
